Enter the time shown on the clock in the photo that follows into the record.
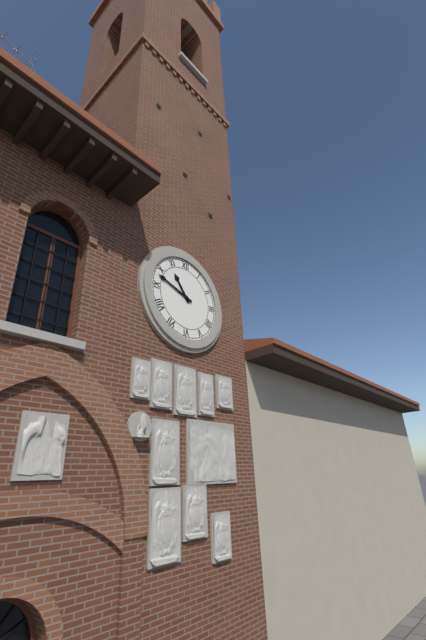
10:48
